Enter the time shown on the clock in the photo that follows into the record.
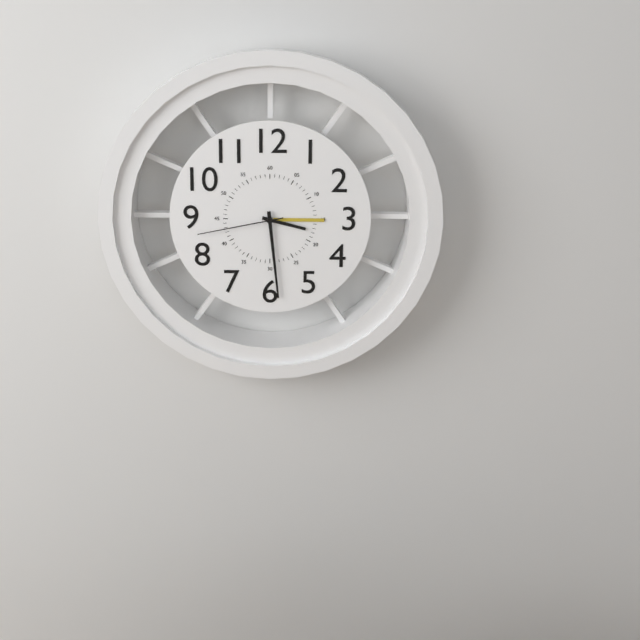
3:29:43
